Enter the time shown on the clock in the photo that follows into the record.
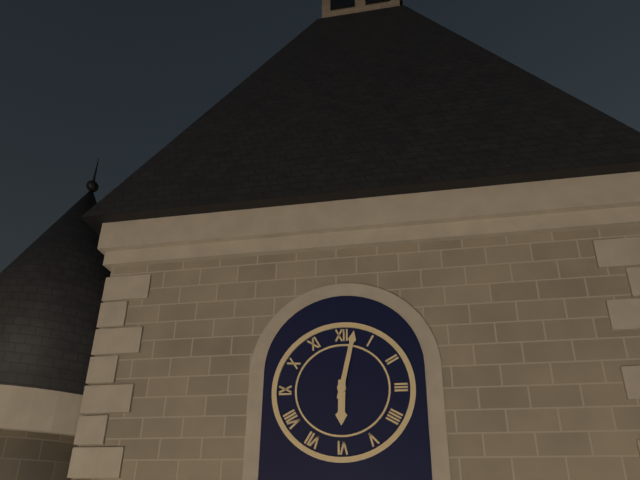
6:02
